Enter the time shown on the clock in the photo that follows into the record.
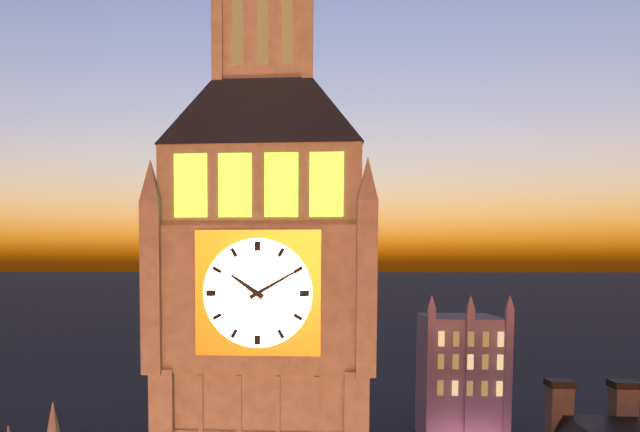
10:10
